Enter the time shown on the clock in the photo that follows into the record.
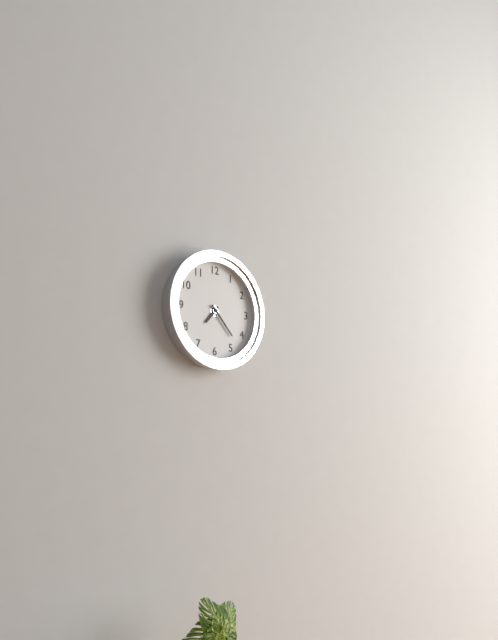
7:23
